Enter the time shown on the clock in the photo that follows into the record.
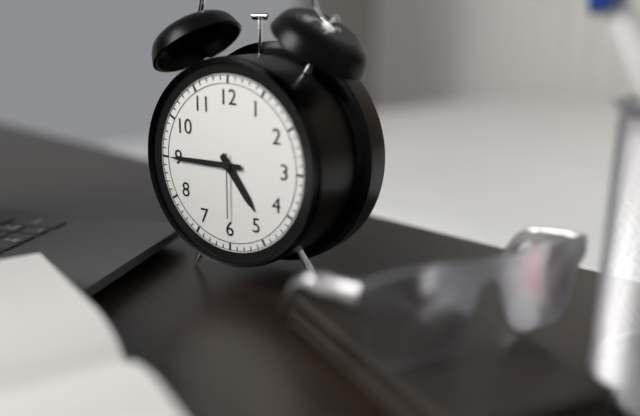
4:45:30
